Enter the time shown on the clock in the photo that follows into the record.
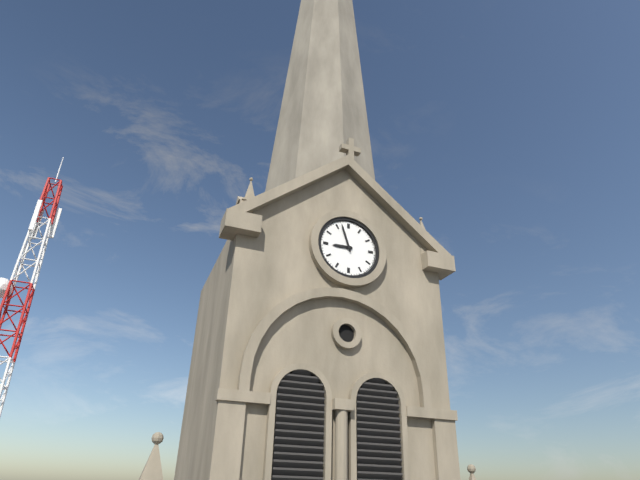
8:57
